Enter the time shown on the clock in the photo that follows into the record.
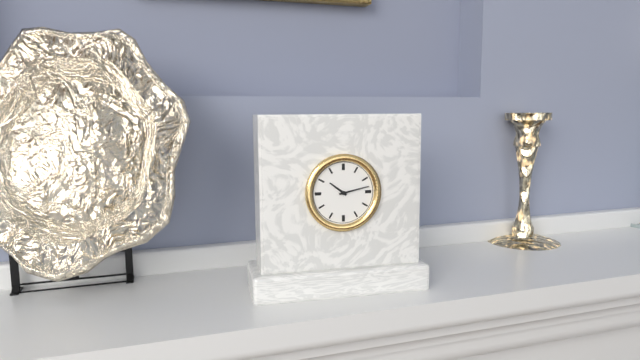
10:13
